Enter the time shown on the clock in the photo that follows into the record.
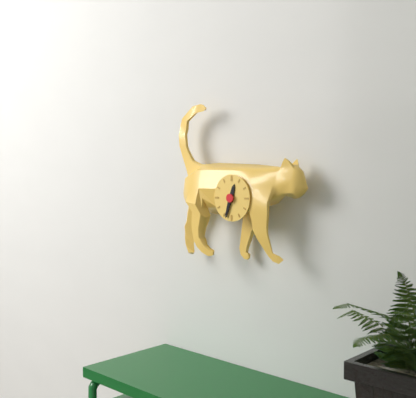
12:33
